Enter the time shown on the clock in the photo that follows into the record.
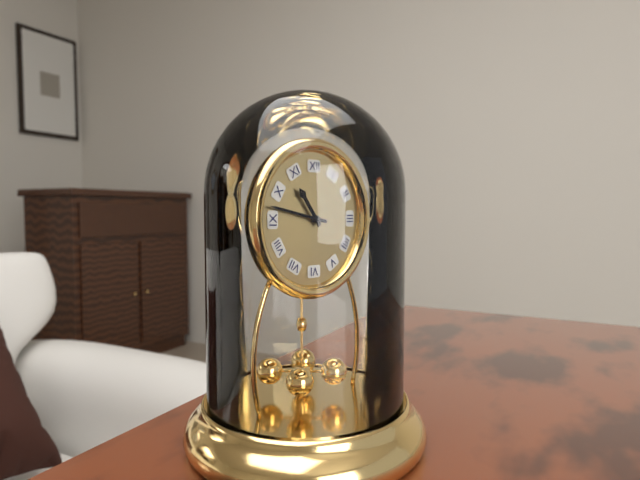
10:47
